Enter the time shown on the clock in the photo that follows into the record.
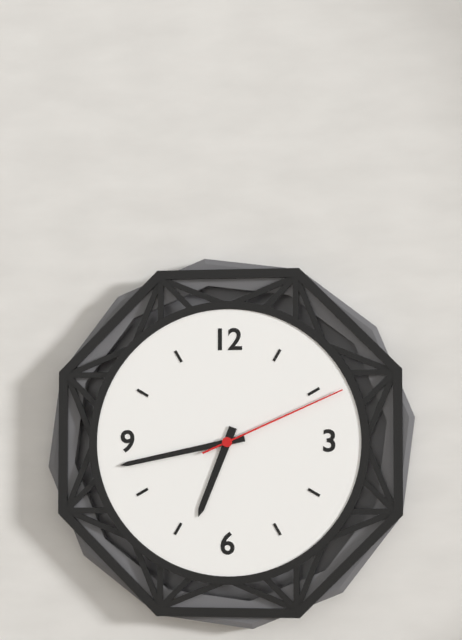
6:43:11
